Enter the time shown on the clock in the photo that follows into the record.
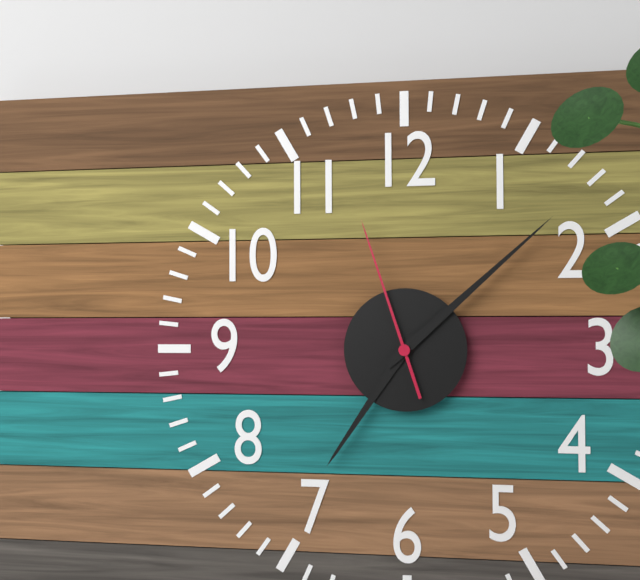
7:08:57
